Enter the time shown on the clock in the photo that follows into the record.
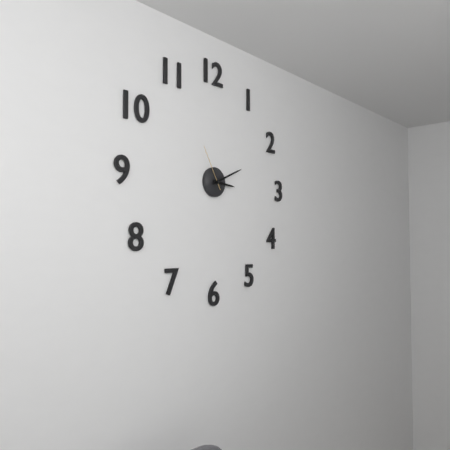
3:11
